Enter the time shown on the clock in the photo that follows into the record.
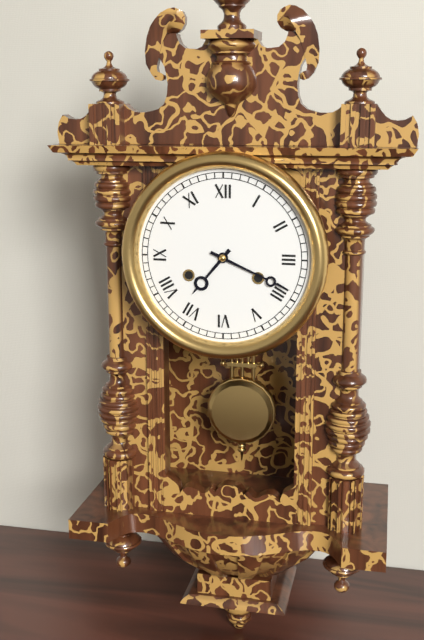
7:19
